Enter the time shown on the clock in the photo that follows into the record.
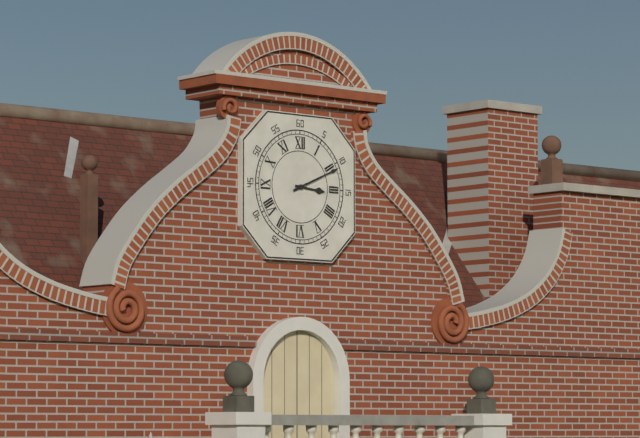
3:11
